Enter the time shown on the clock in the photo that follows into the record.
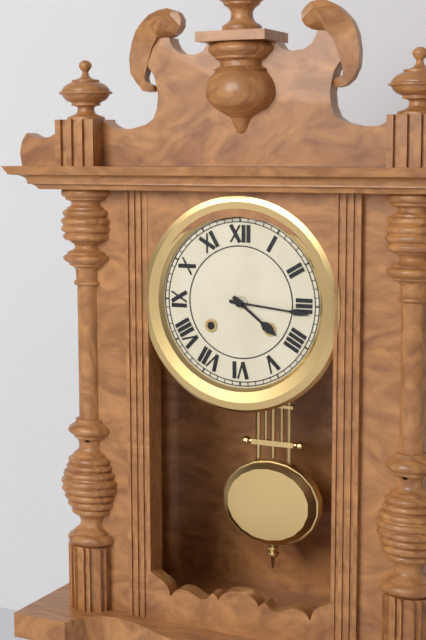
4:16
